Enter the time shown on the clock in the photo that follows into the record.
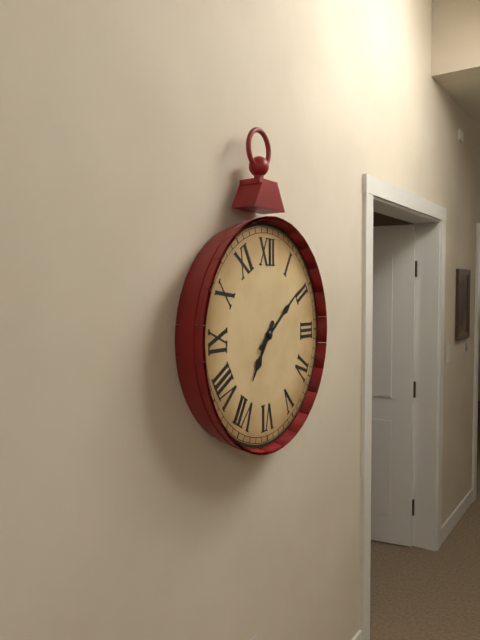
7:09
